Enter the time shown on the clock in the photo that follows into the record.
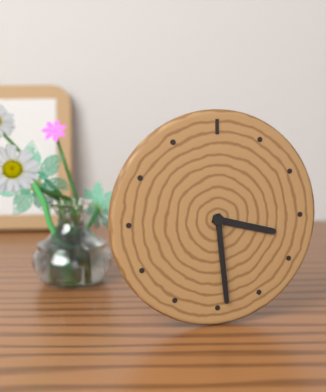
3:29
